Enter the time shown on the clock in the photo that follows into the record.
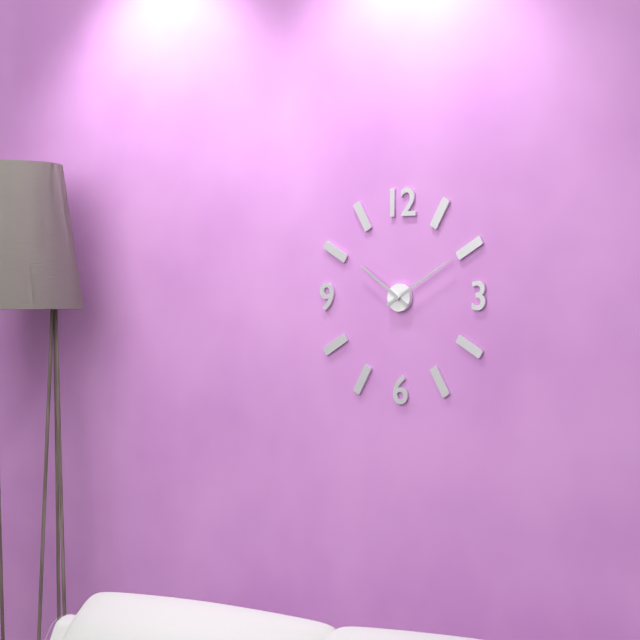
10:10
